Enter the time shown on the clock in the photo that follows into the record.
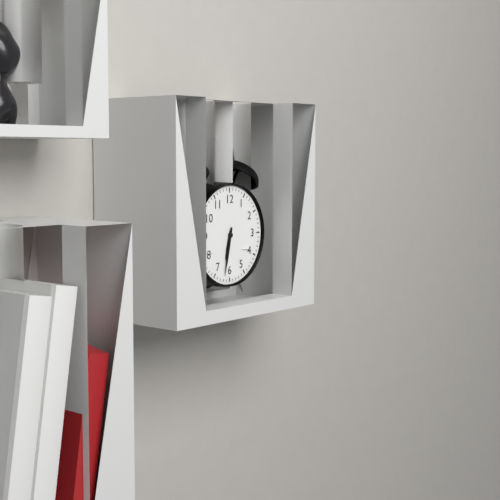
6:32
